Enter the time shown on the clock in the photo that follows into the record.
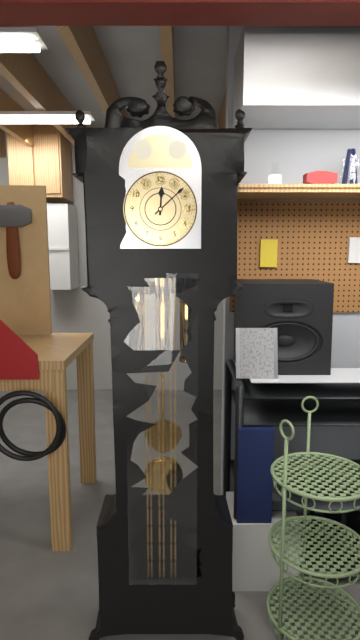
12:08
